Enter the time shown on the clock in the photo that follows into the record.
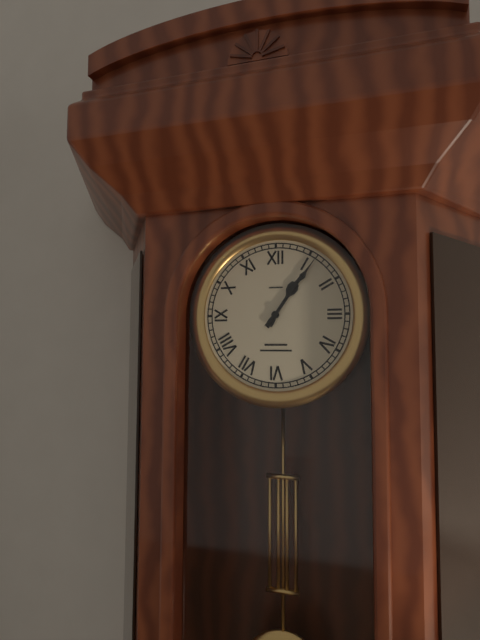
1:06
